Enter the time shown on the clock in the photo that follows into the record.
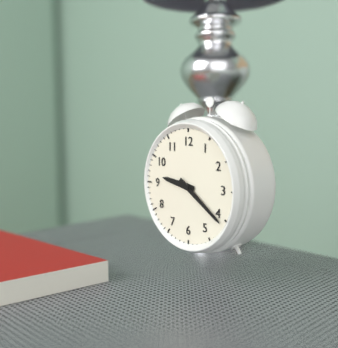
9:21
